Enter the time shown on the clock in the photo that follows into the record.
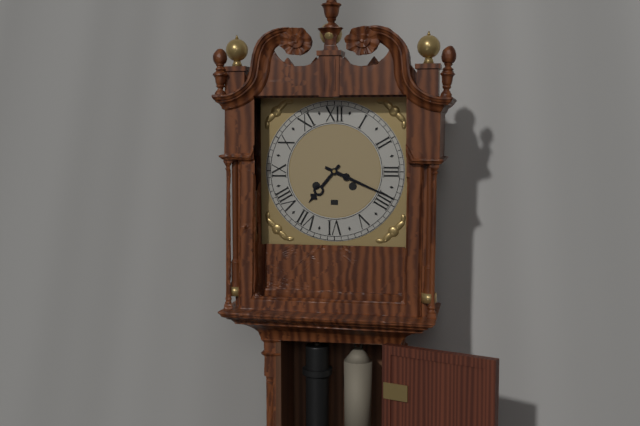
7:19
